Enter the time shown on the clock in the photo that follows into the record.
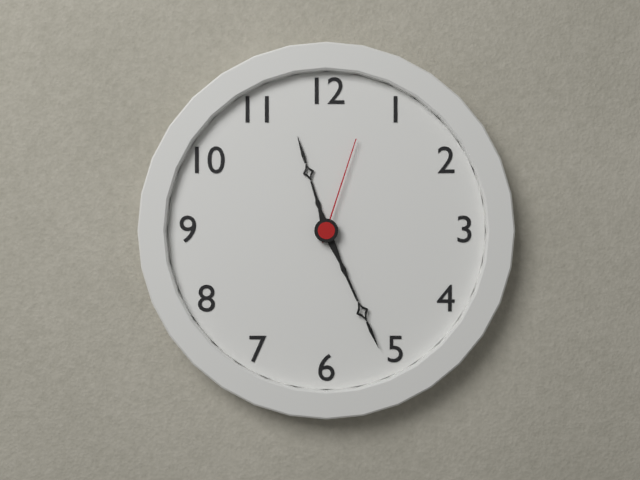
11:26:03
